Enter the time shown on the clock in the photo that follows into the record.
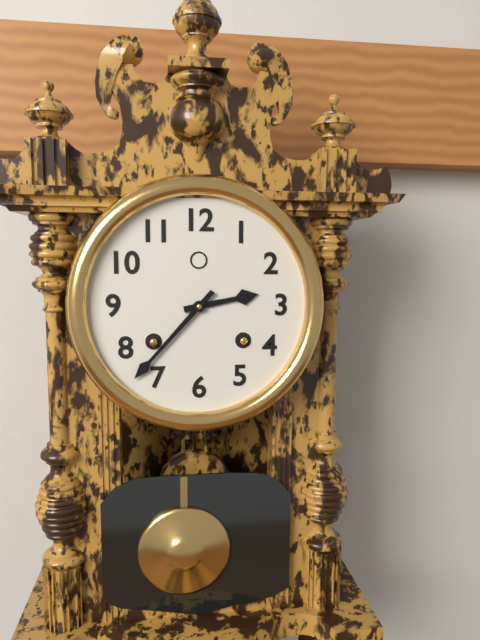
2:37
